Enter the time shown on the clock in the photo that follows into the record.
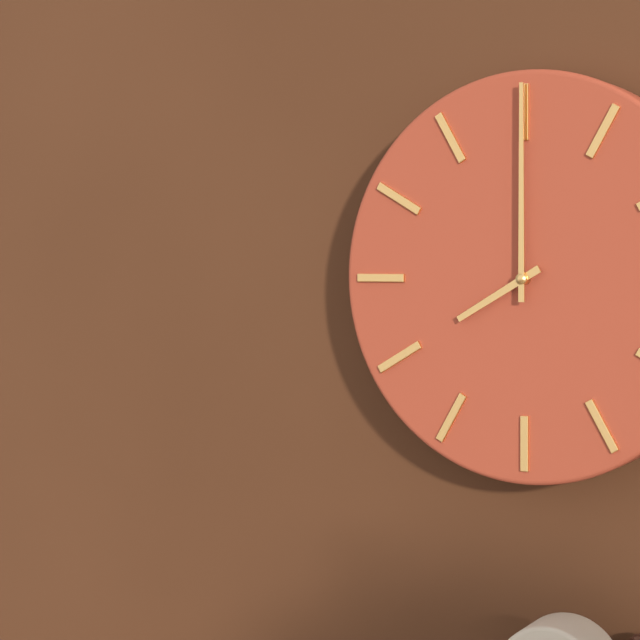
8:00
